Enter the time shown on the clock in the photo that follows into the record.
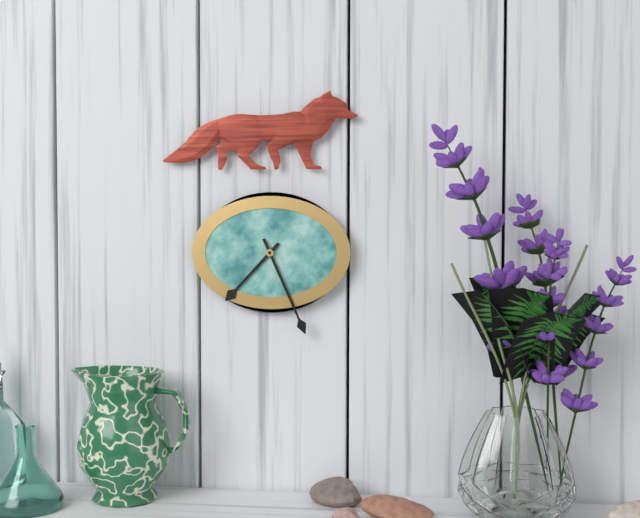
7:26
